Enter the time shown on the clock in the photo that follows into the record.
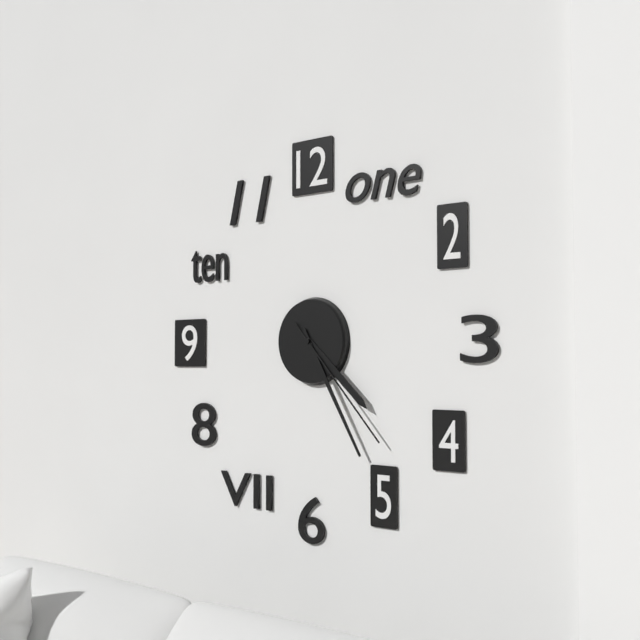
4:25:23
